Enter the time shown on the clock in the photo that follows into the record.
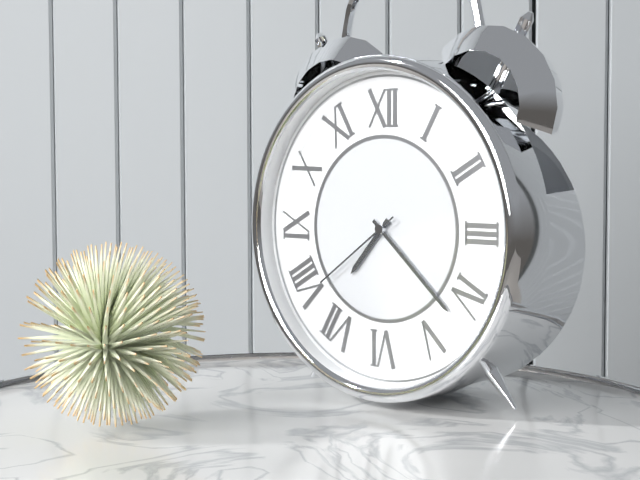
7:22:39
